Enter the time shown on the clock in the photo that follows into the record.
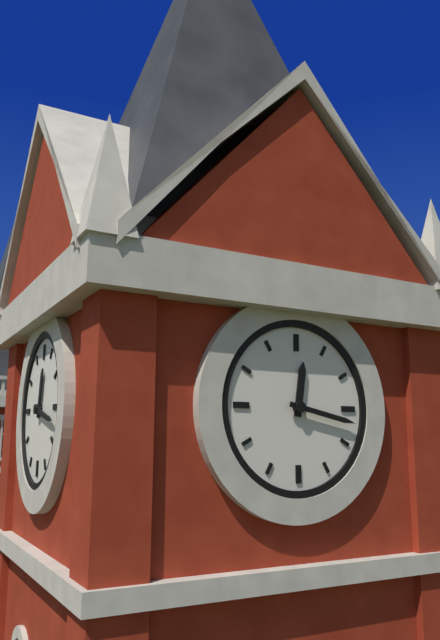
12:17
